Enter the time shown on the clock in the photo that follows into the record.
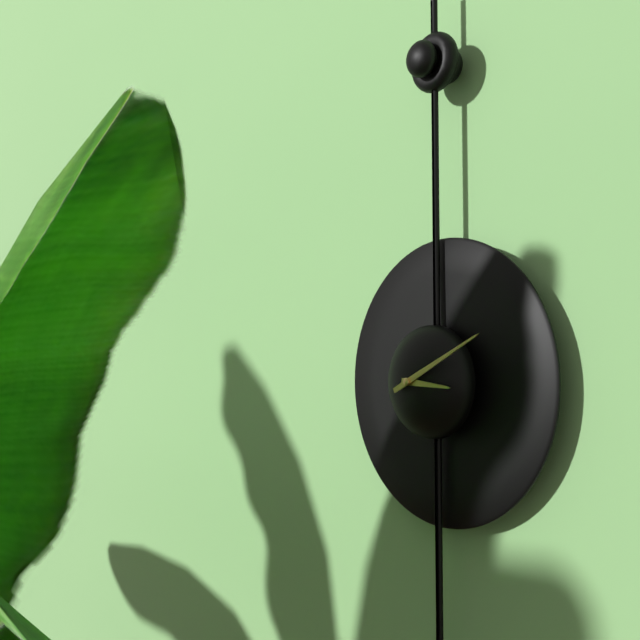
3:11
